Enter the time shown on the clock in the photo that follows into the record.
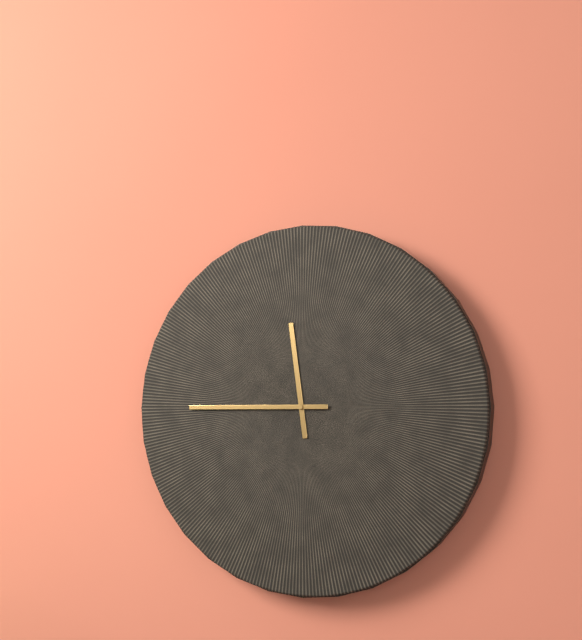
11:45
